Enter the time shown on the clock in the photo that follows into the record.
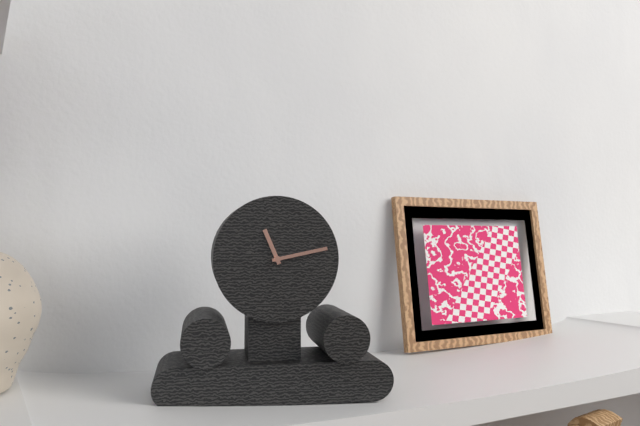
11:13
